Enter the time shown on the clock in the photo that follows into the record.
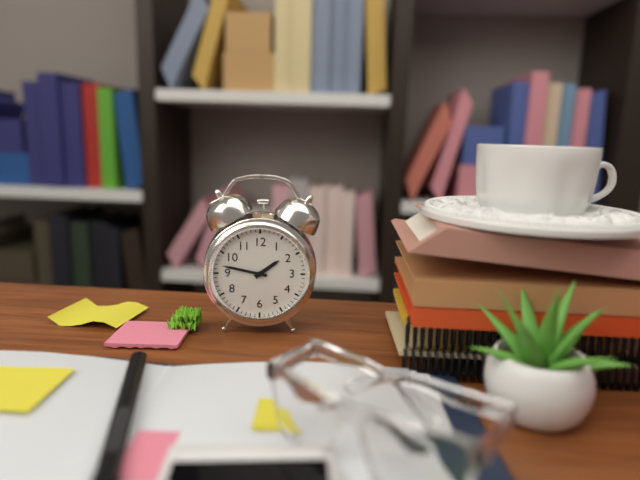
1:47
